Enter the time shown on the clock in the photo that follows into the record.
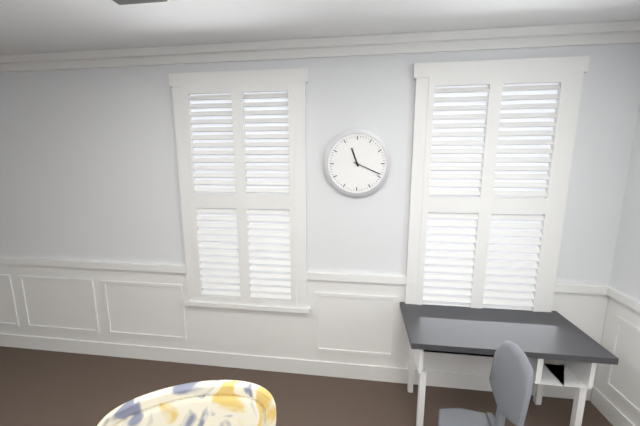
11:19
